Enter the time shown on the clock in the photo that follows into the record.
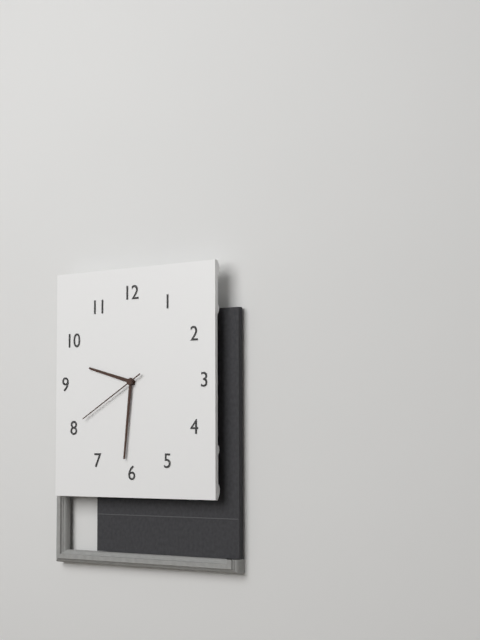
9:31:40
